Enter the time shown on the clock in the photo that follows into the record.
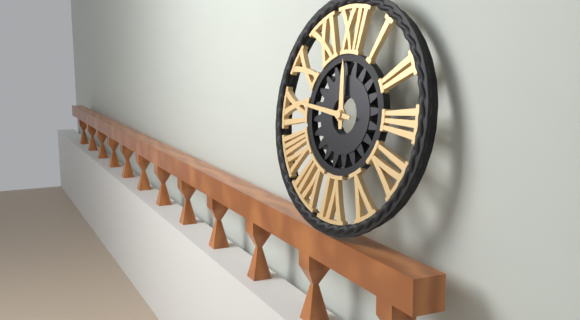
11:46
